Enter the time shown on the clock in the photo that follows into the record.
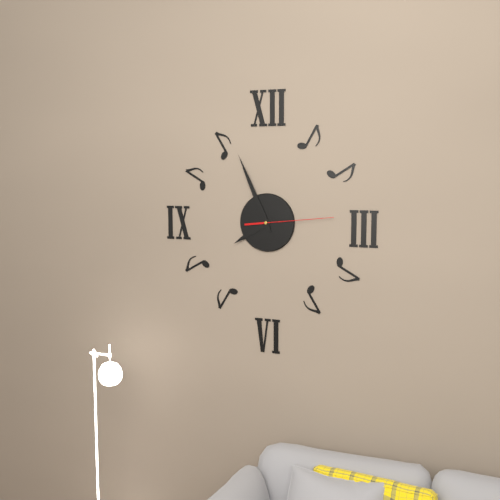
7:56:14
